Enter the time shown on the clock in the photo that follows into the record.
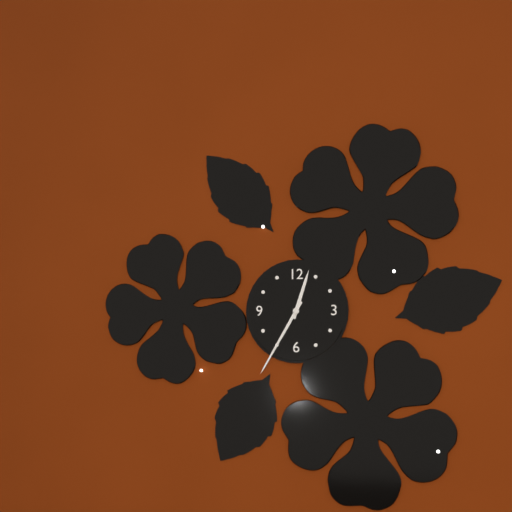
12:35
